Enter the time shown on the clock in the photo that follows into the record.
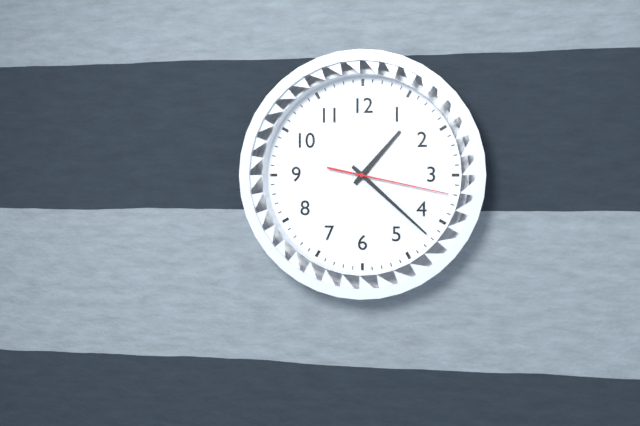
1:22:17
